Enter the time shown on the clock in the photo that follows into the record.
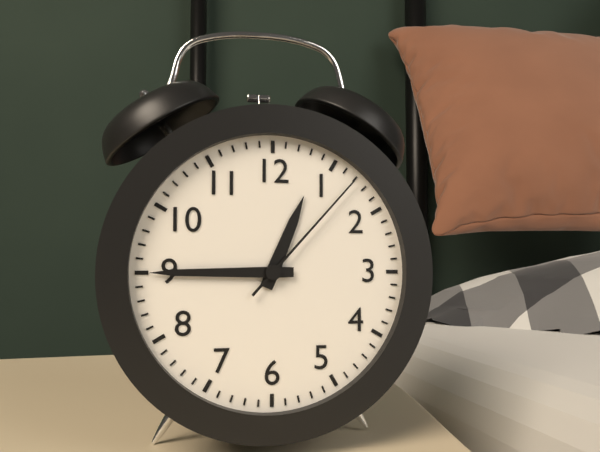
12:45:07
